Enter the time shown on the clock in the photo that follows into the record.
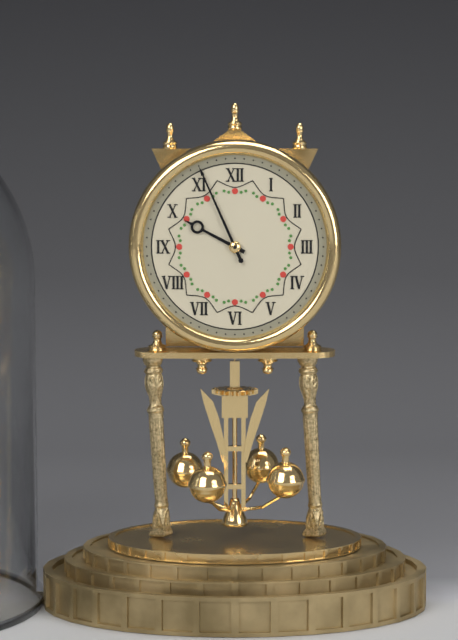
9:56
